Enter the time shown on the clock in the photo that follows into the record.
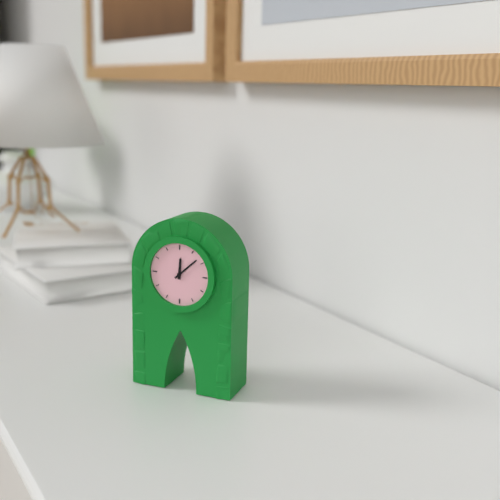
12:08
